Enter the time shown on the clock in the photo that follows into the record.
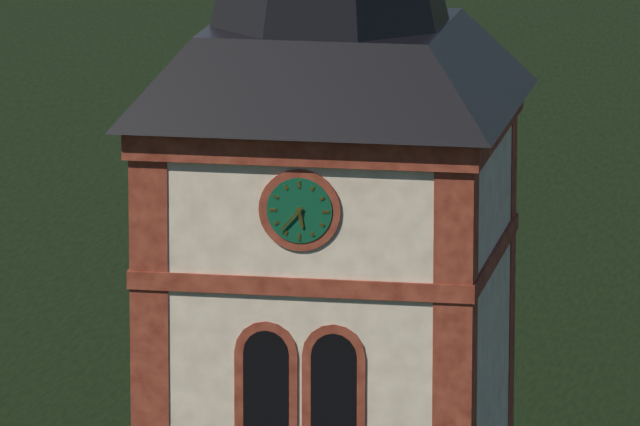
5:37
